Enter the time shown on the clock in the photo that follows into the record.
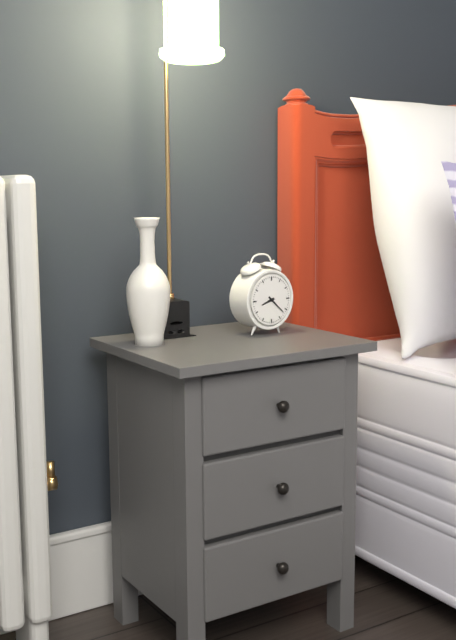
8:22
